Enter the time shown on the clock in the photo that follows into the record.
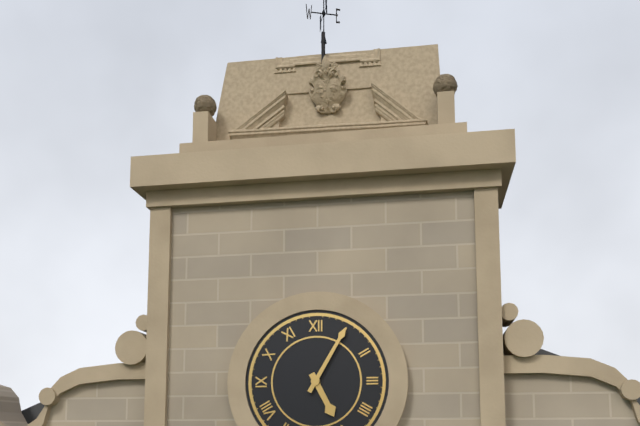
5:05
